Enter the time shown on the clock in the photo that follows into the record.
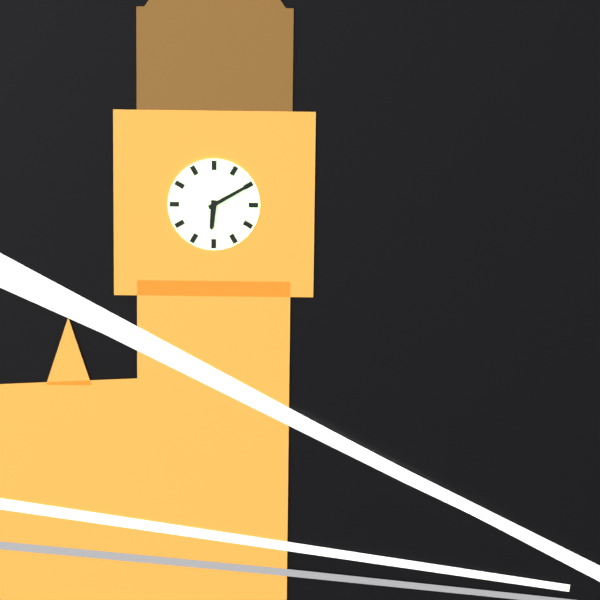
6:10
